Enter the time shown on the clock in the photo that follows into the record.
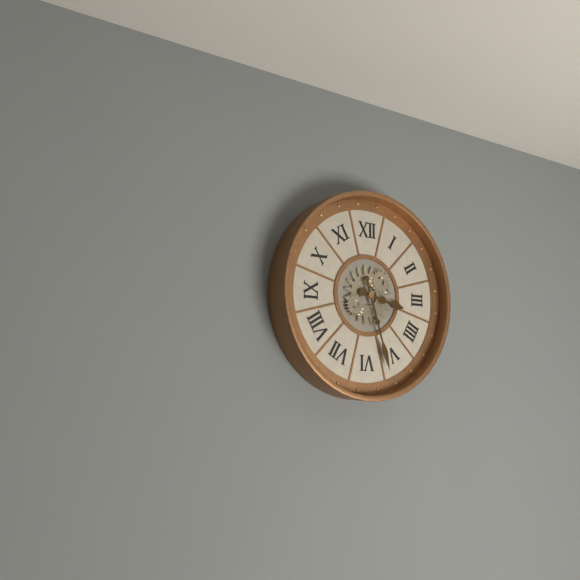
3:27
